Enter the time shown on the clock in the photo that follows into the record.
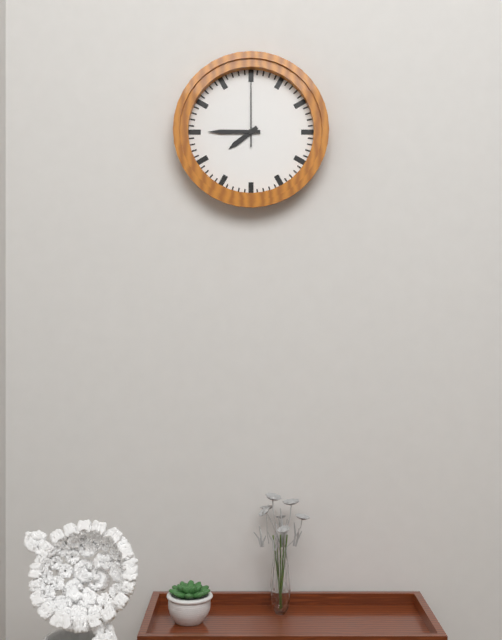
7:45:00
